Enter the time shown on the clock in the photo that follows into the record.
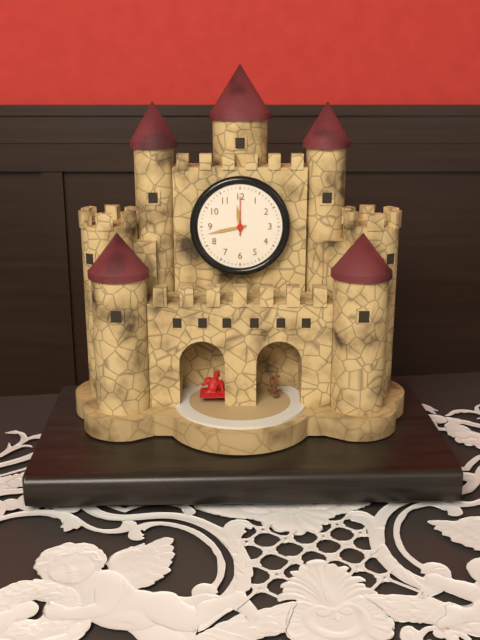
11:43
